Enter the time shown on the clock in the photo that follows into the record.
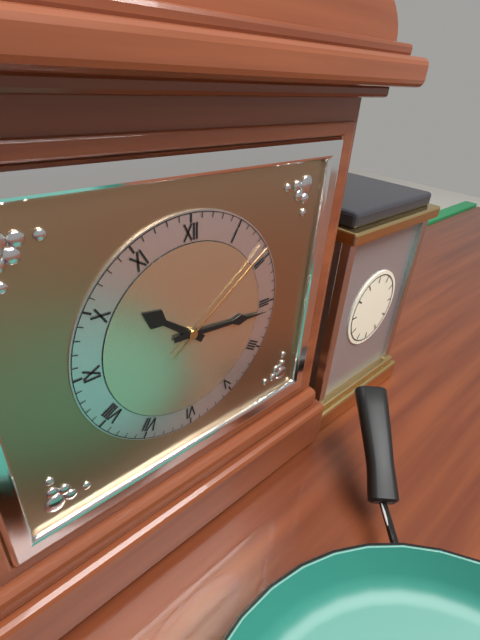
10:16:09
